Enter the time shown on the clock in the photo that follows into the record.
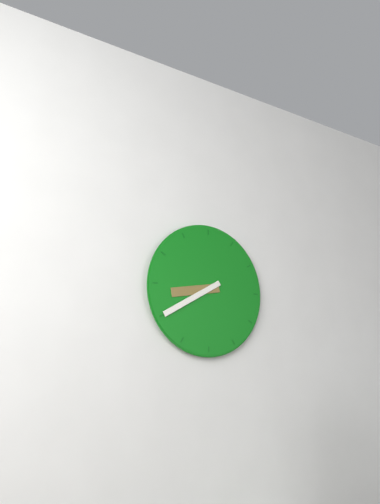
8:40
